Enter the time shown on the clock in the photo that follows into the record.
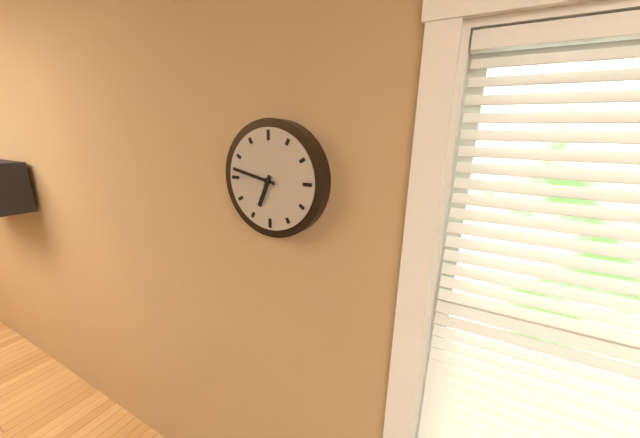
6:47
